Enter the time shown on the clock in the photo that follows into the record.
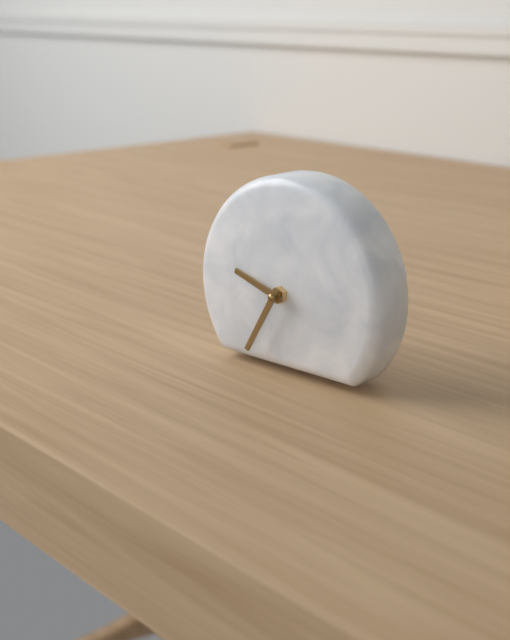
9:35
